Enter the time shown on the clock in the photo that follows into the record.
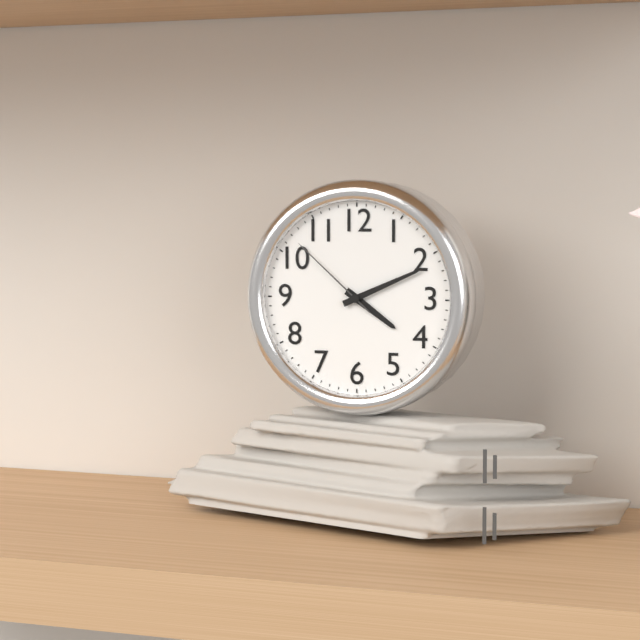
4:11:52
